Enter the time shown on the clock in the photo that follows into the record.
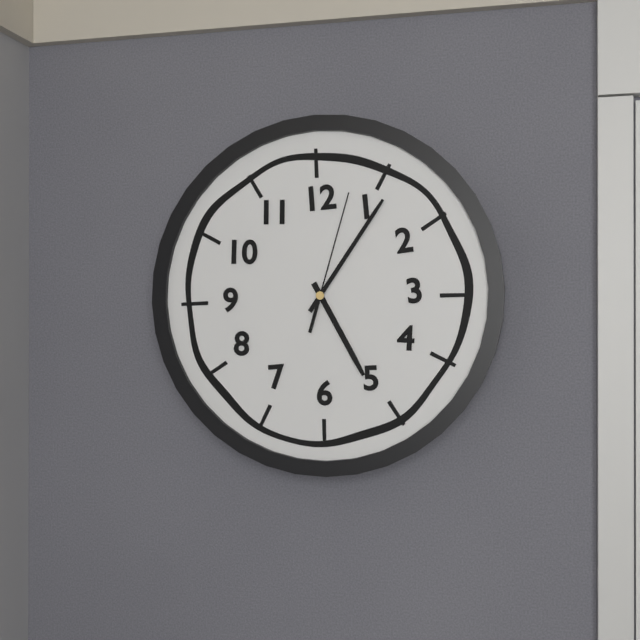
5:06:03
